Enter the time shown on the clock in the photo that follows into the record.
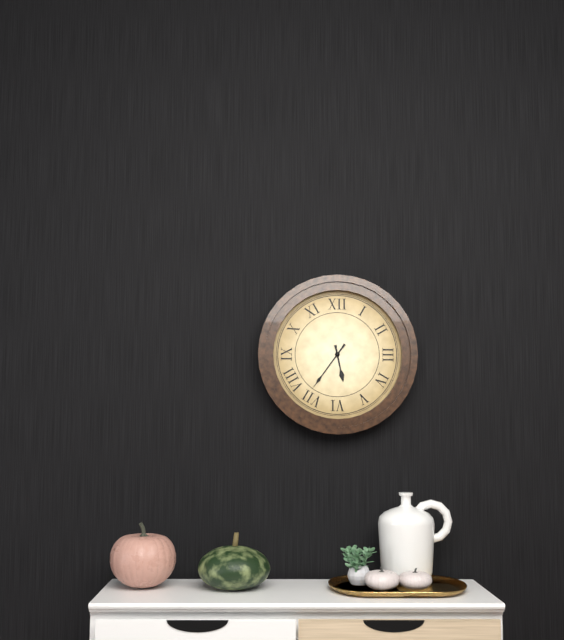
5:36
